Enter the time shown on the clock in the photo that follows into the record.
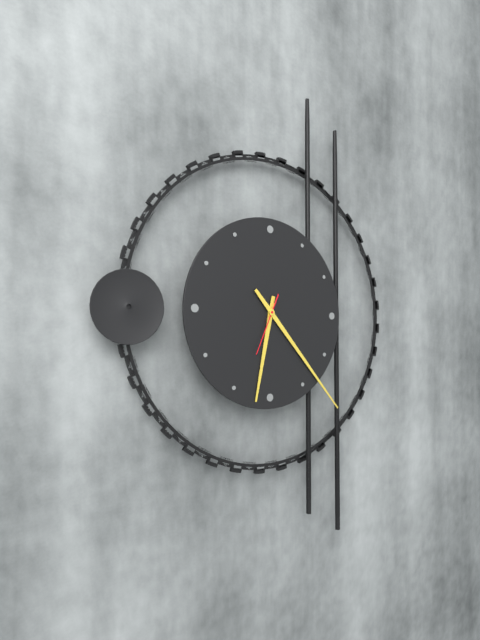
6:23:34
